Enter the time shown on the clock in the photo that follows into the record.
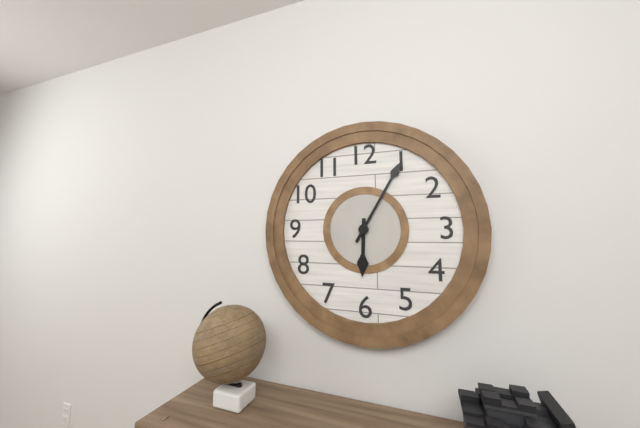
6:05
